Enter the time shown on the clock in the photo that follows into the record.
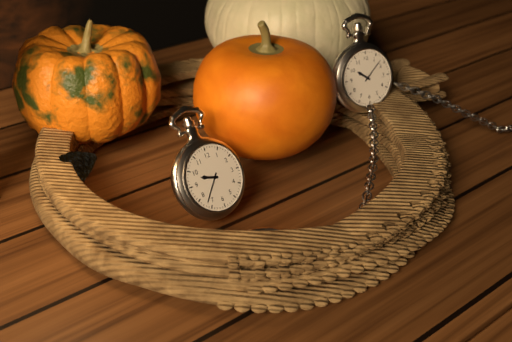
9:37
